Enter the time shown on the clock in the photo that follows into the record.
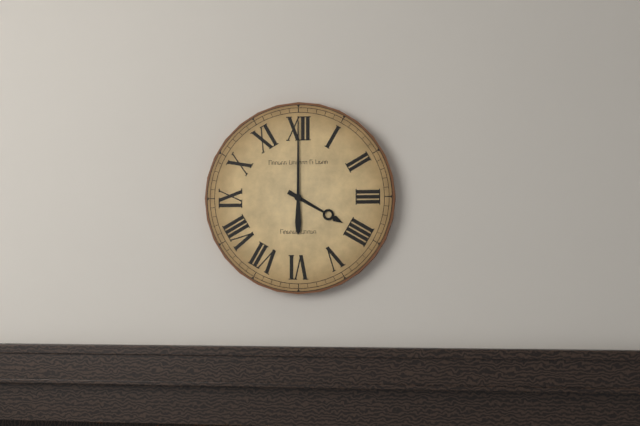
4:00
